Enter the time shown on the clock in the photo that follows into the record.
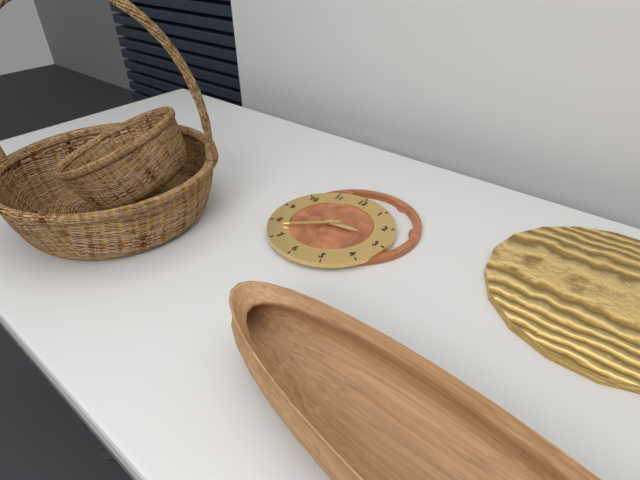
2:38
